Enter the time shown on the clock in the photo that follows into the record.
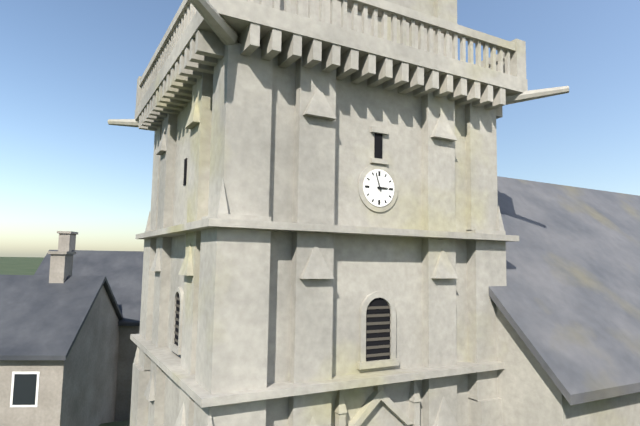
2:57
